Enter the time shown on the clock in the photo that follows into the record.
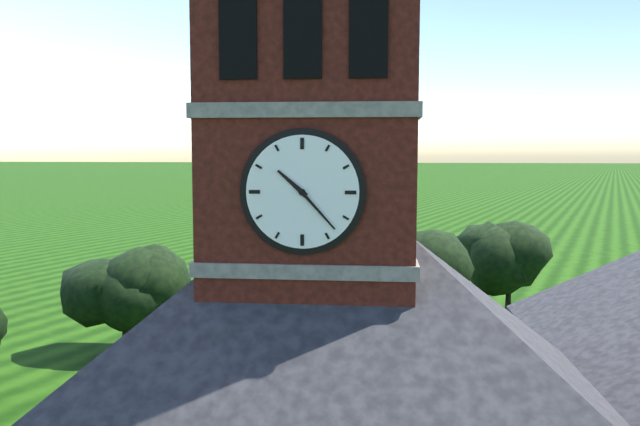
10:23
